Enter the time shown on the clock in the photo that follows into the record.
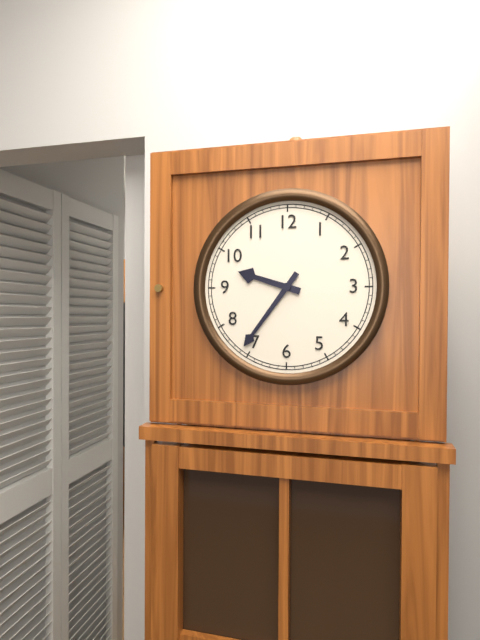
9:36
